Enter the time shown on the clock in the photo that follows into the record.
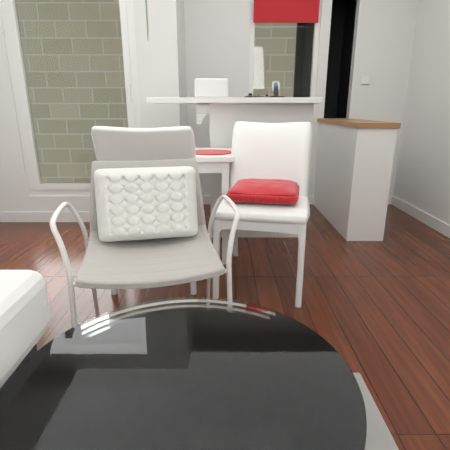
5:39
